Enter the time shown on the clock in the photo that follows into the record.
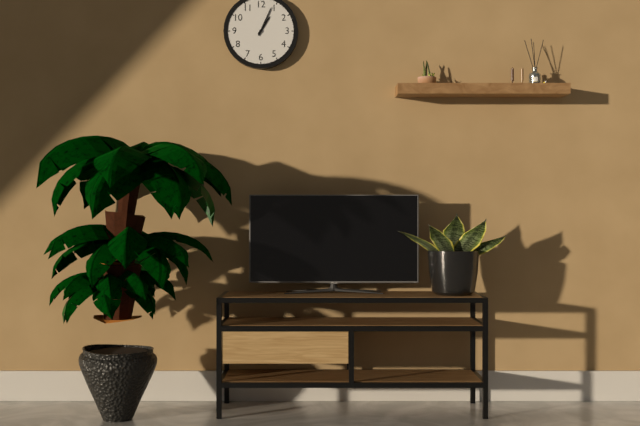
1:04
